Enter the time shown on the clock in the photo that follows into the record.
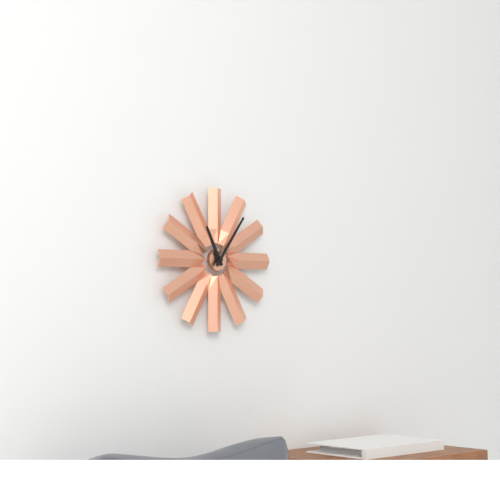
11:06
